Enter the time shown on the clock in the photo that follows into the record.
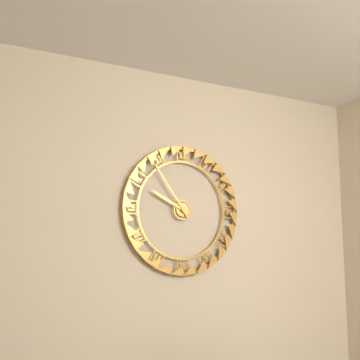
9:54
